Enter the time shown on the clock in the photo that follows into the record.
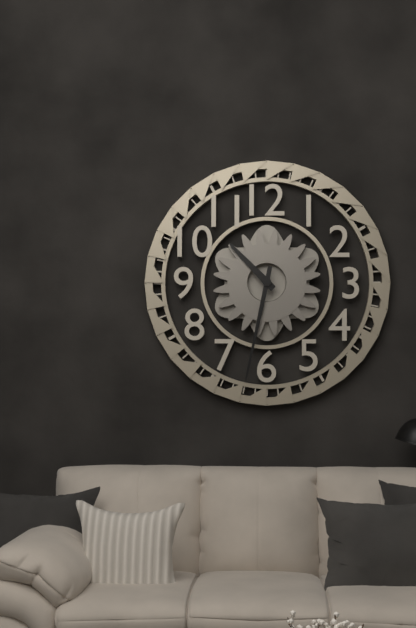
10:32
